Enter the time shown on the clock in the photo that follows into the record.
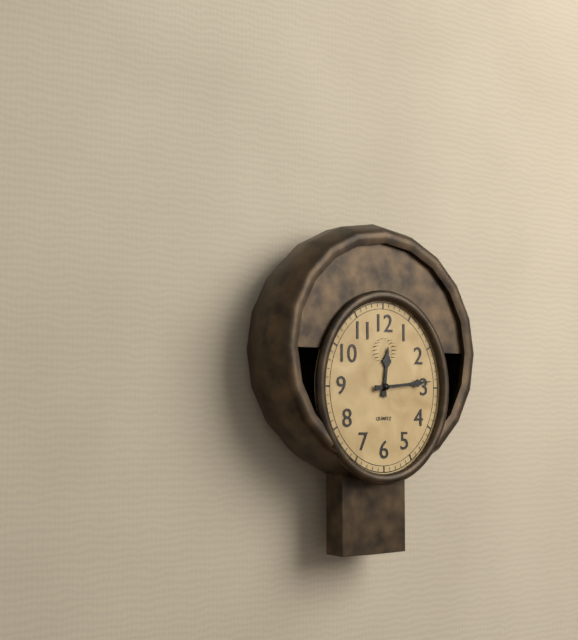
12:14
